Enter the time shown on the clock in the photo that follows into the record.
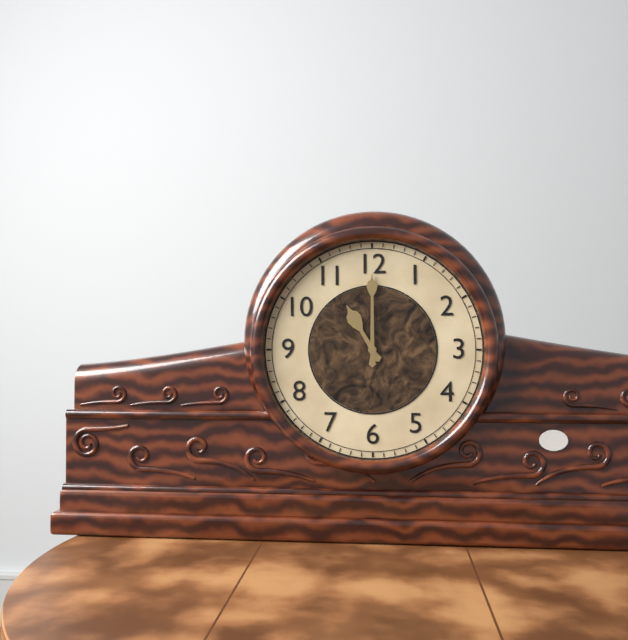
11:00
